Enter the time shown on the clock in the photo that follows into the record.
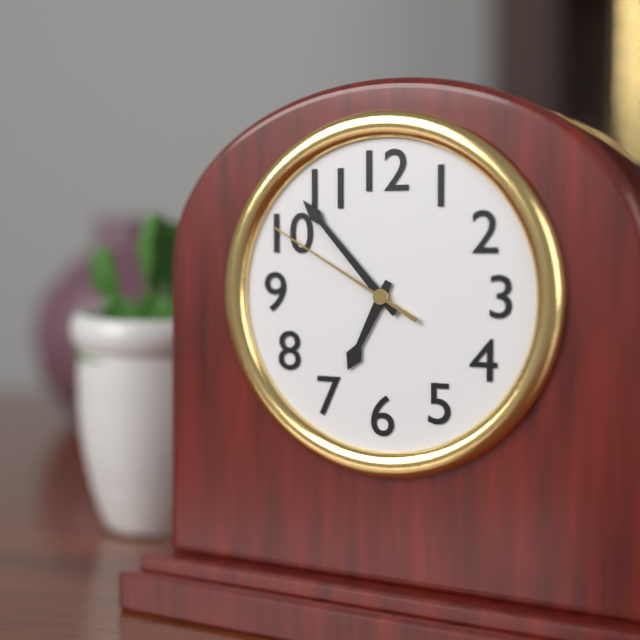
6:53:50
